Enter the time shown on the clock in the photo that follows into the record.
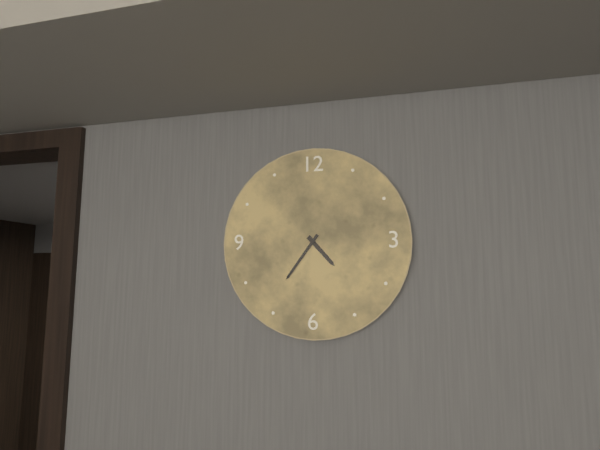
4:36
